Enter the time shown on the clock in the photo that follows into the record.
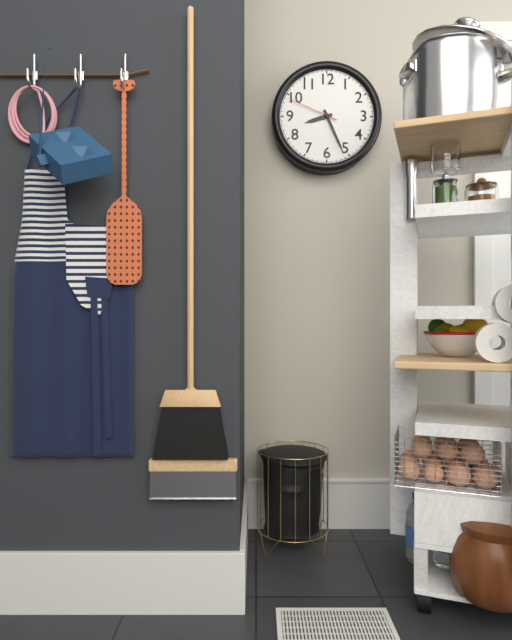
8:26:49
